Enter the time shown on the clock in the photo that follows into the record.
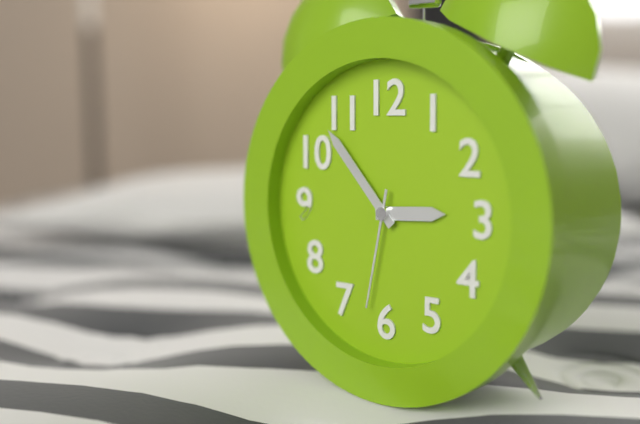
2:53:32
